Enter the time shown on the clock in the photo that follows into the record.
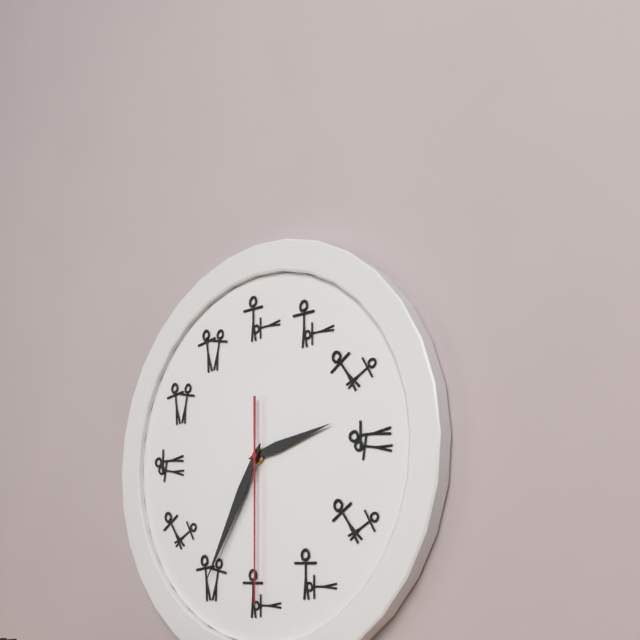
2:35:30
